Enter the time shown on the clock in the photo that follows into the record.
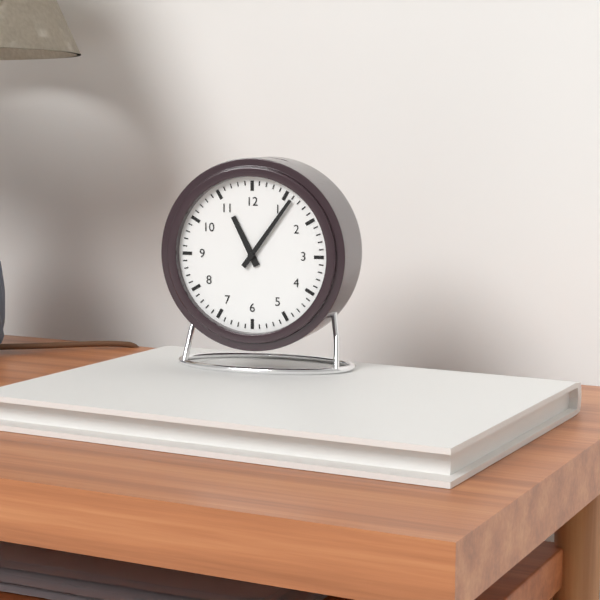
11:06
